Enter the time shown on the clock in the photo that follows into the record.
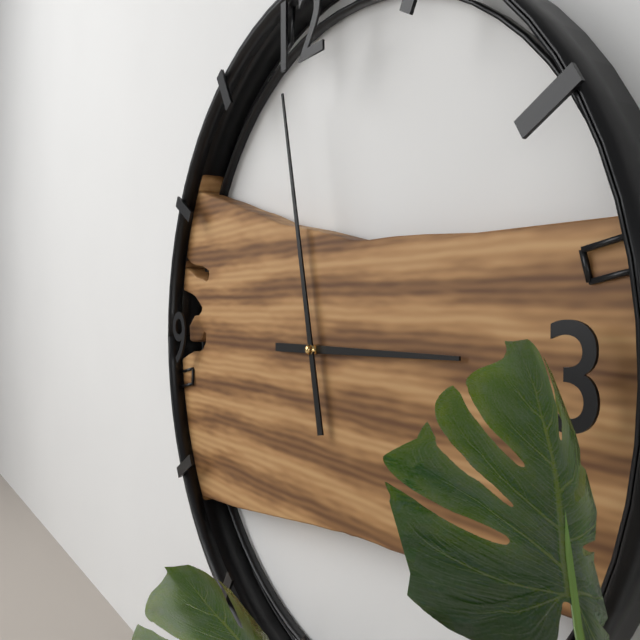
2:58
